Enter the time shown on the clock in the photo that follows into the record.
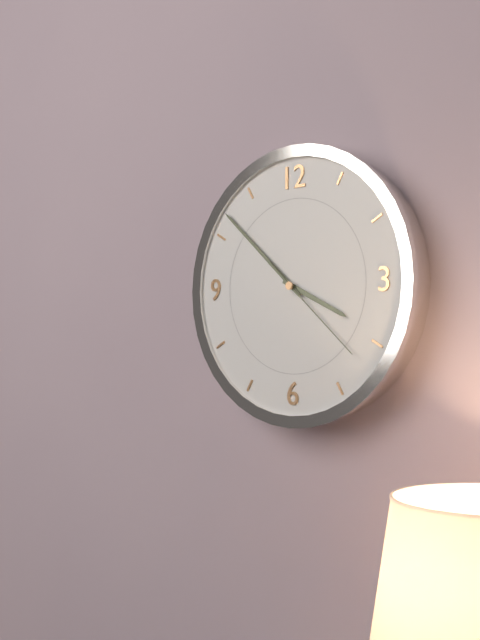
3:52:22
